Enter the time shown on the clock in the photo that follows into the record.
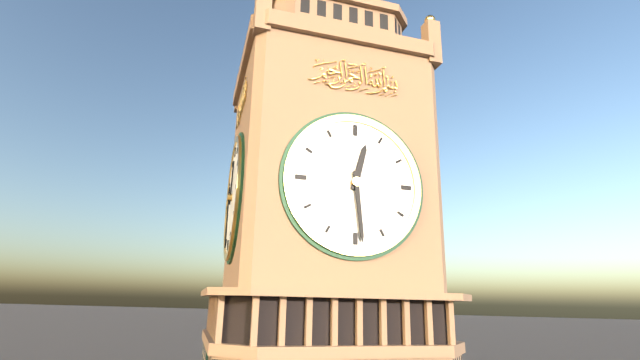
12:29
